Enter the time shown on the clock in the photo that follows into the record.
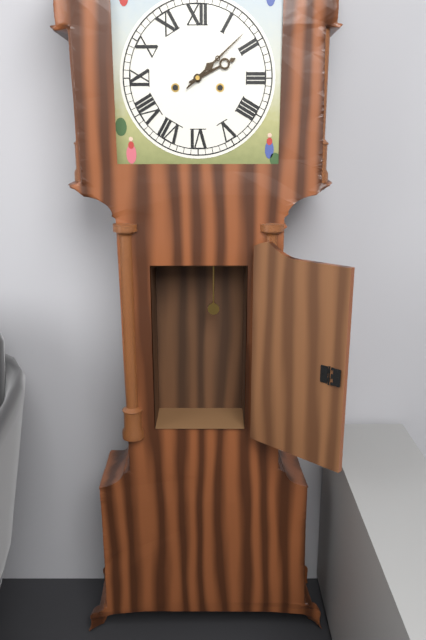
2:08
